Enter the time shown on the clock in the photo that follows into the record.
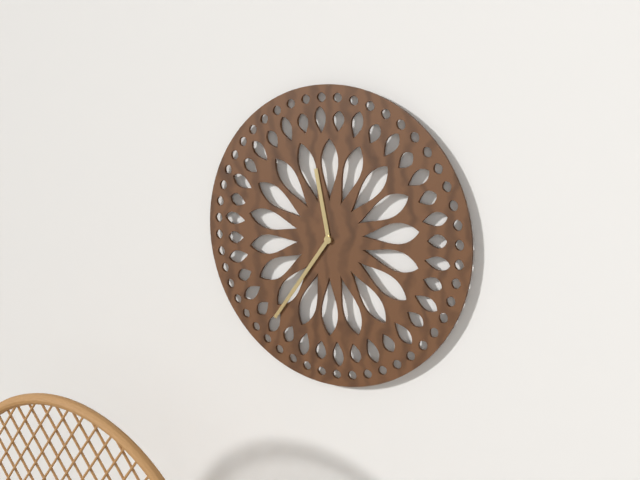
11:36
